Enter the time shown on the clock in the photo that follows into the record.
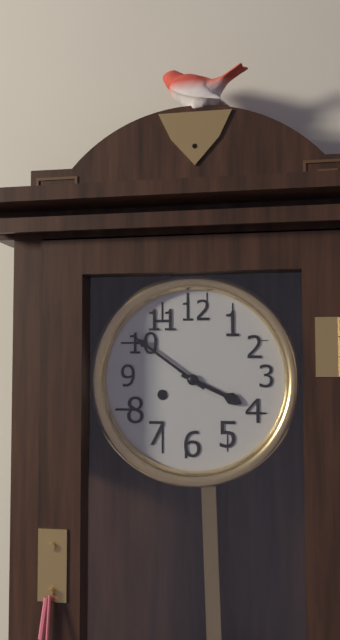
3:51
